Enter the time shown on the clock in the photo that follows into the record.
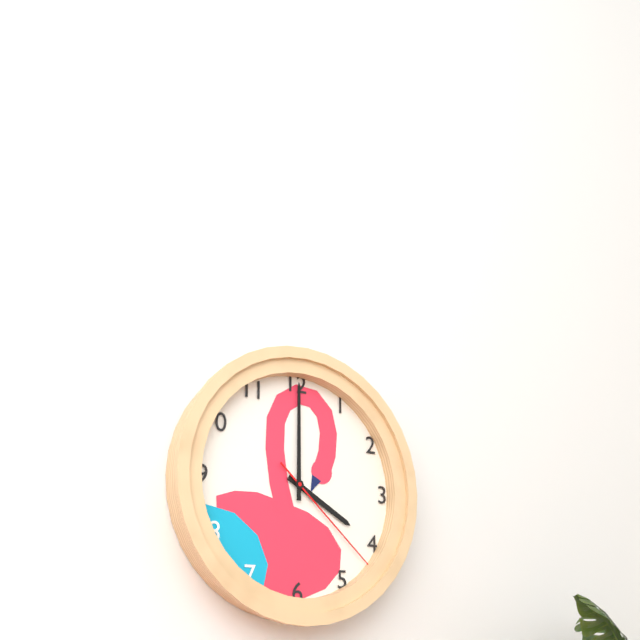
4:00:22
